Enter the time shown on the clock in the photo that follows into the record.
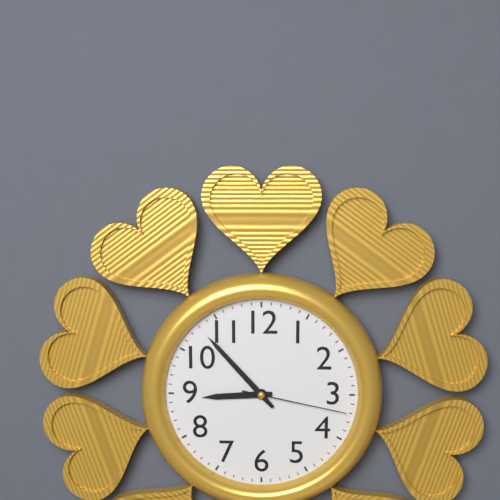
8:53:17
